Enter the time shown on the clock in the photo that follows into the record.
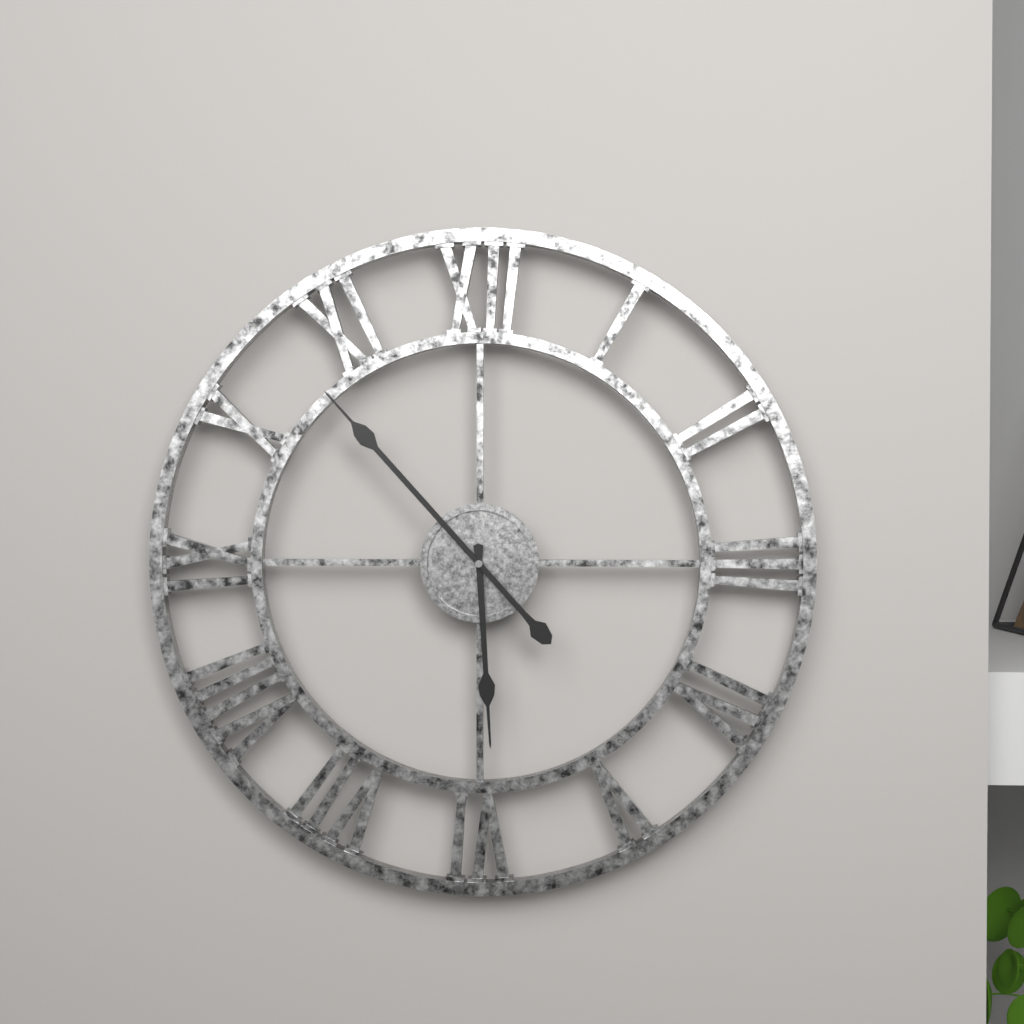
5:53
